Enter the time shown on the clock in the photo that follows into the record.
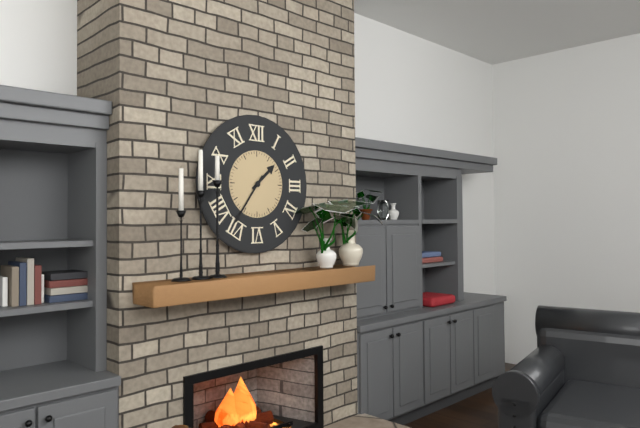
1:36
